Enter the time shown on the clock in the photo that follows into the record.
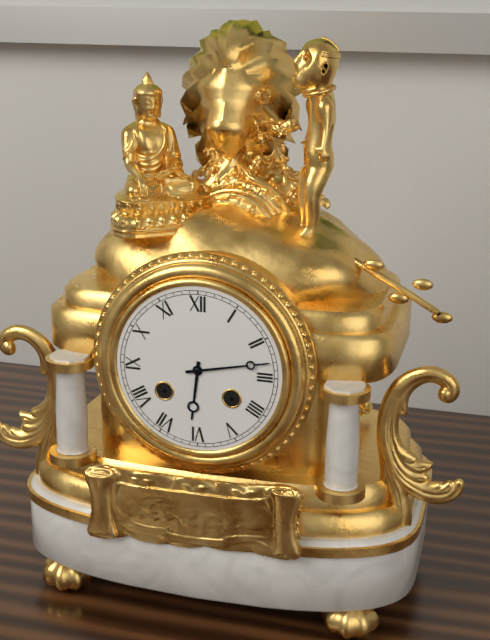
6:13
